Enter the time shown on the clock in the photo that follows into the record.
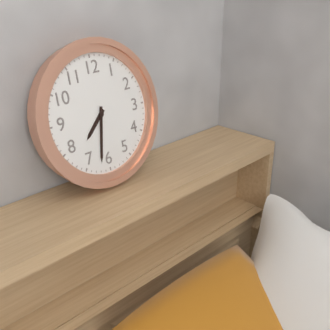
7:32
